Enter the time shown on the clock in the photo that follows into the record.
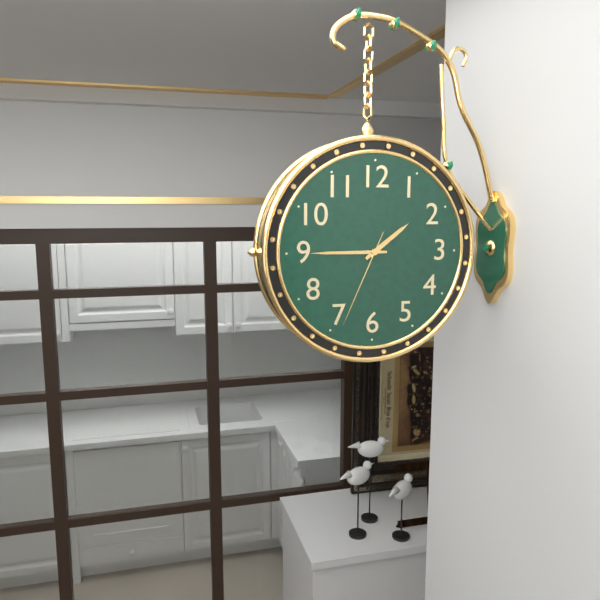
1:45:34
